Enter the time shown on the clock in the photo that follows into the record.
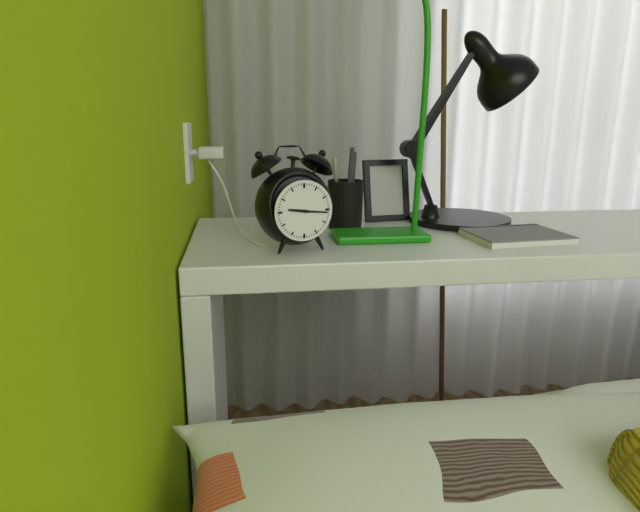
9:16
